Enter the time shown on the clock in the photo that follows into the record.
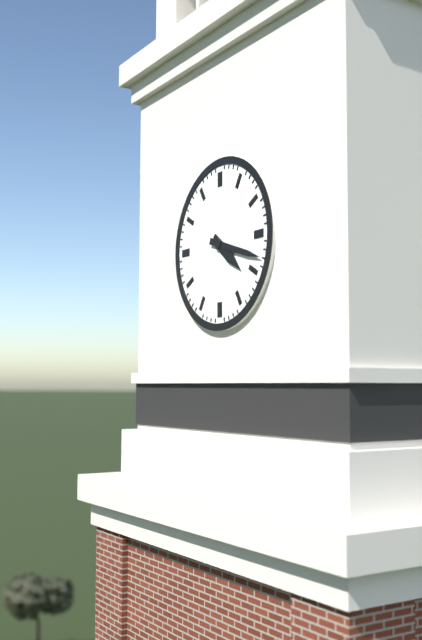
4:18
